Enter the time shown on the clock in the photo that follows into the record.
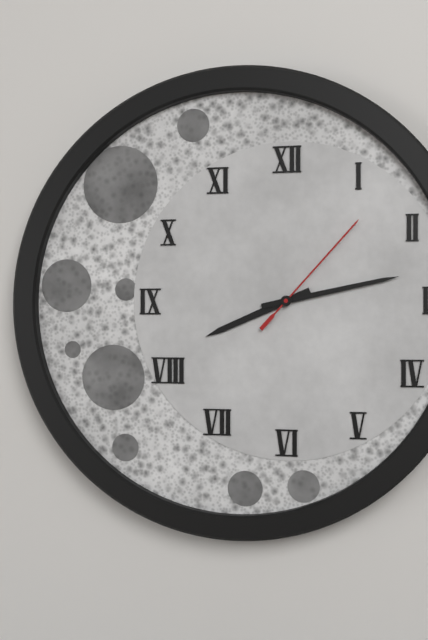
8:13:07
